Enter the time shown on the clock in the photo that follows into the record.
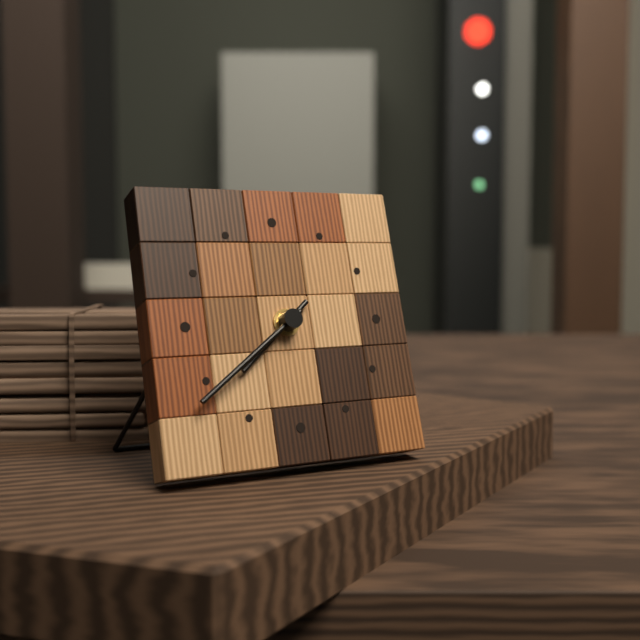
7:39
